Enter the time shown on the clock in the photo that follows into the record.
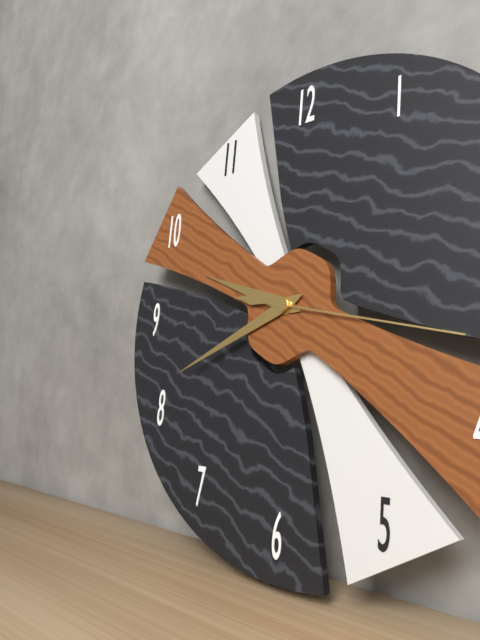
9:41:17
